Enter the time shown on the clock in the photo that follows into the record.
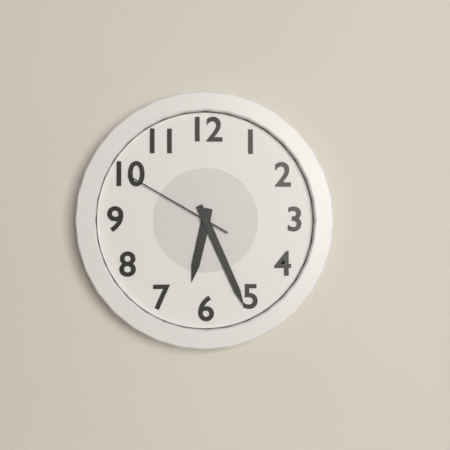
6:26:50
